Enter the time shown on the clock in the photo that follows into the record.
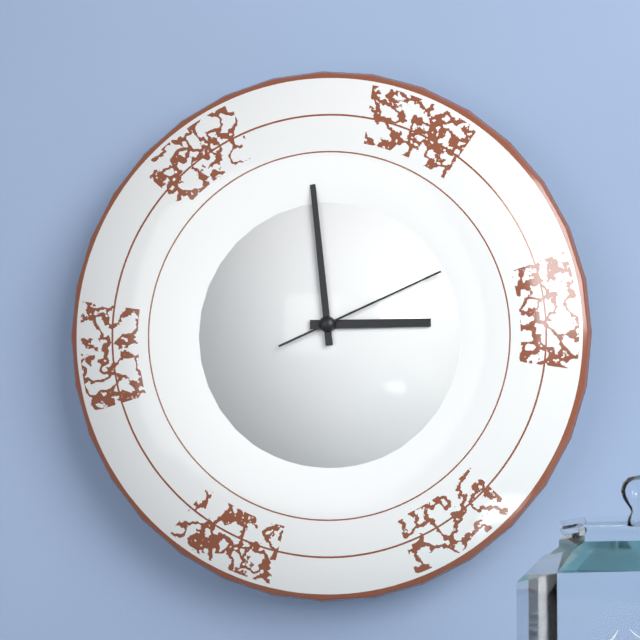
2:59:11
